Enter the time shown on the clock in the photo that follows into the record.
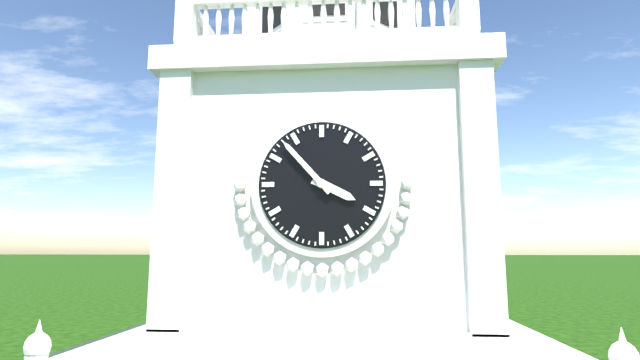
3:53
